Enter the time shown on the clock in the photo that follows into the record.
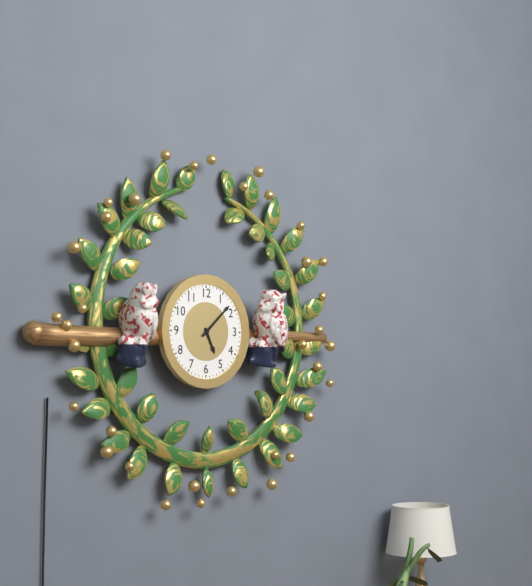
5:08
